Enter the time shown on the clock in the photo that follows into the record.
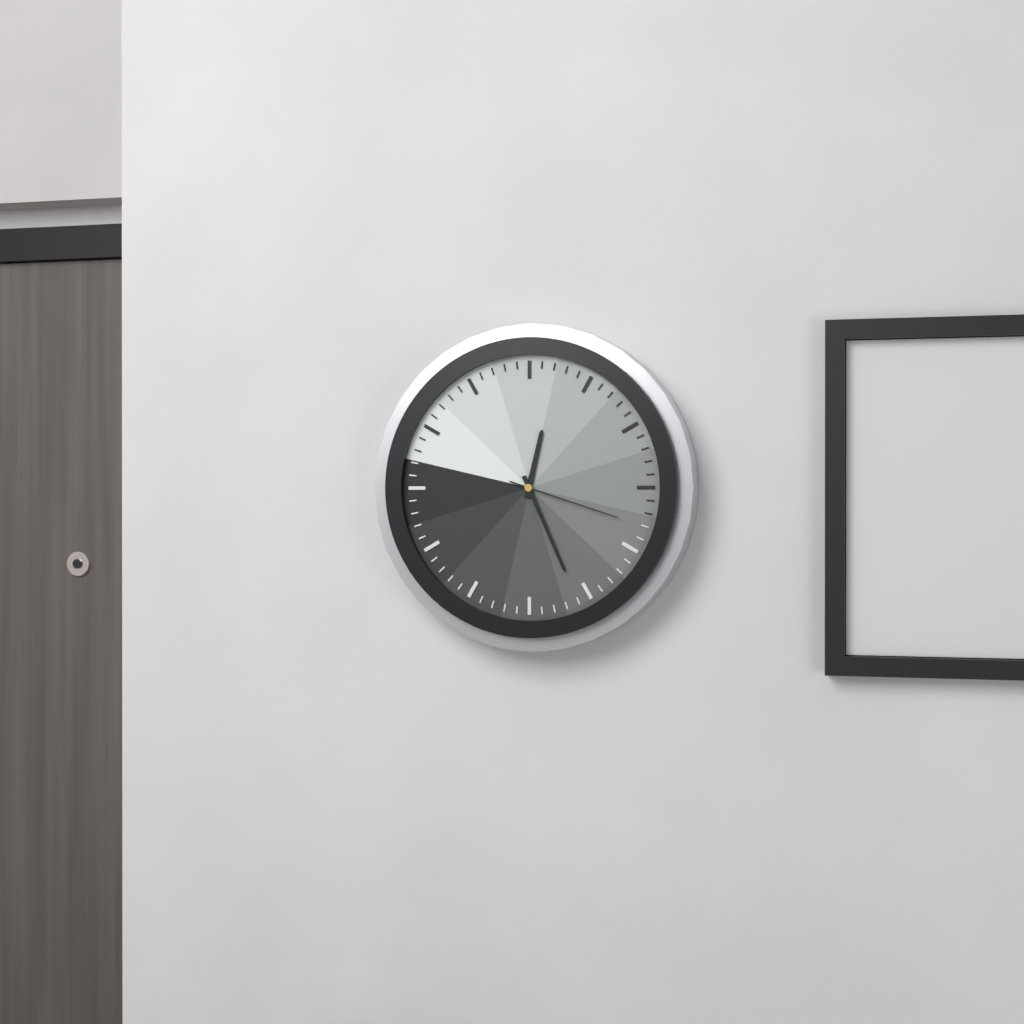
12:26:18
